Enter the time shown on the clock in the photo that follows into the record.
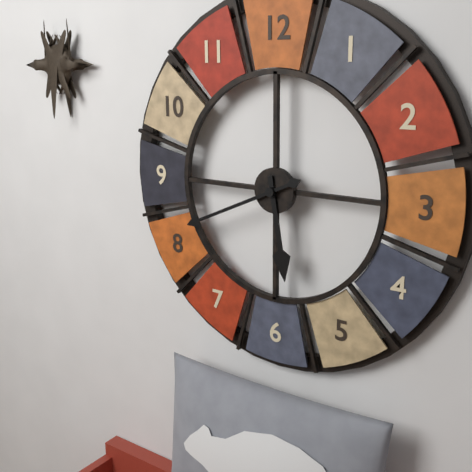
5:41
